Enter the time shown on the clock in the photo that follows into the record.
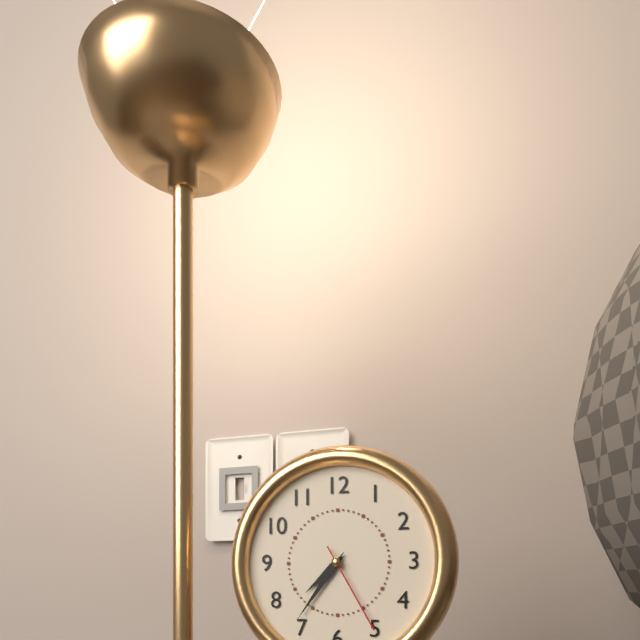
7:36:25
